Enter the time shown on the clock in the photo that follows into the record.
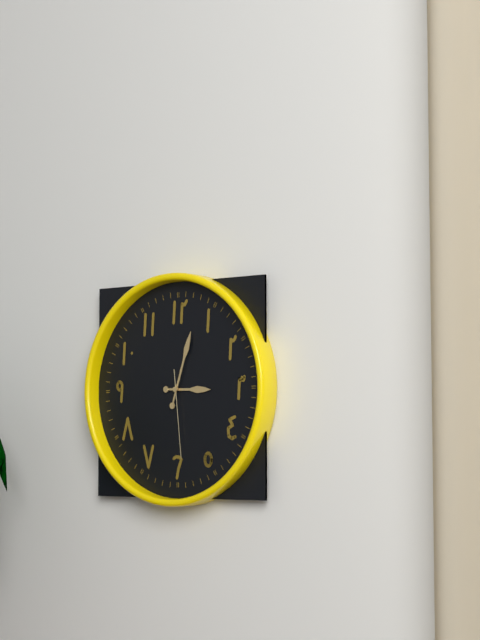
3:03:29
